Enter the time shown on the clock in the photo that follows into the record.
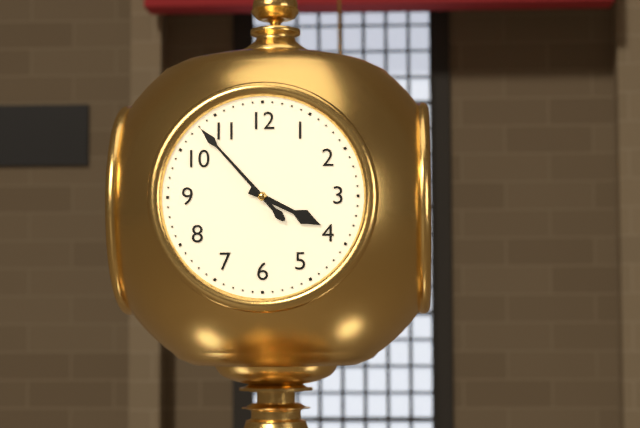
3:53
